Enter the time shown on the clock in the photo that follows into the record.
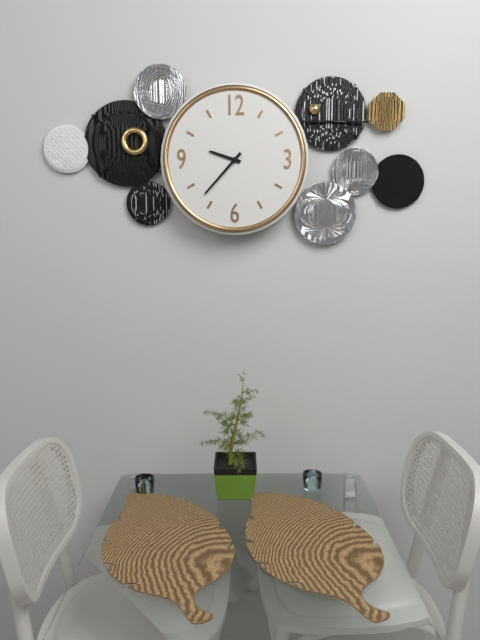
9:37
